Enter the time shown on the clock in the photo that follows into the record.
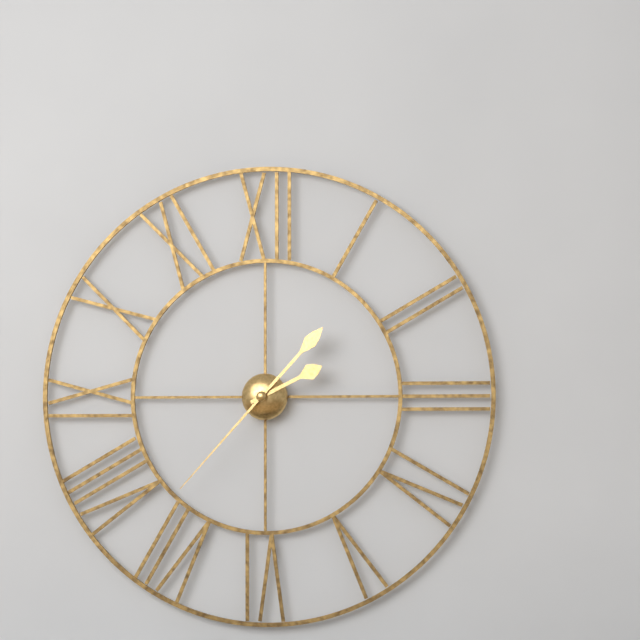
2:07:37
